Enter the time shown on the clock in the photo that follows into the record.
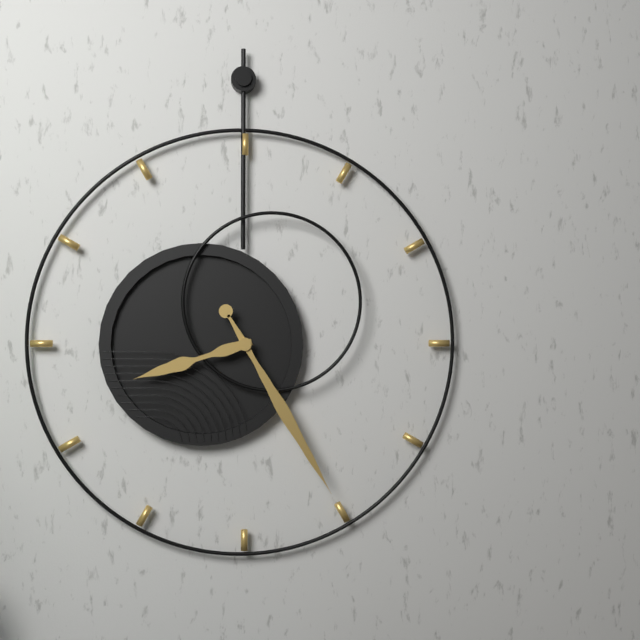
8:25
